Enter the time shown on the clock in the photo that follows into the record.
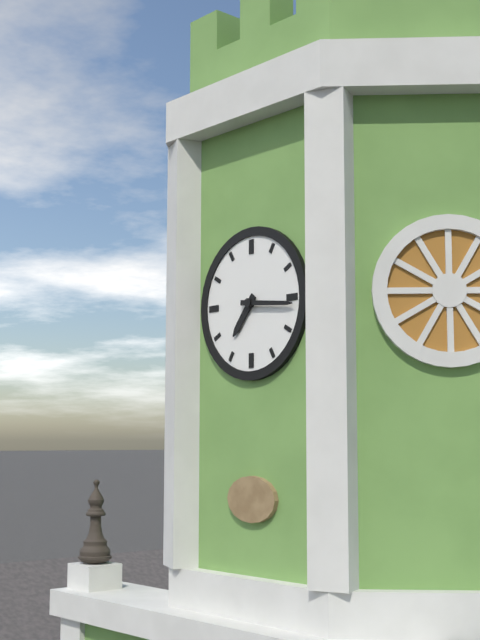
7:16
